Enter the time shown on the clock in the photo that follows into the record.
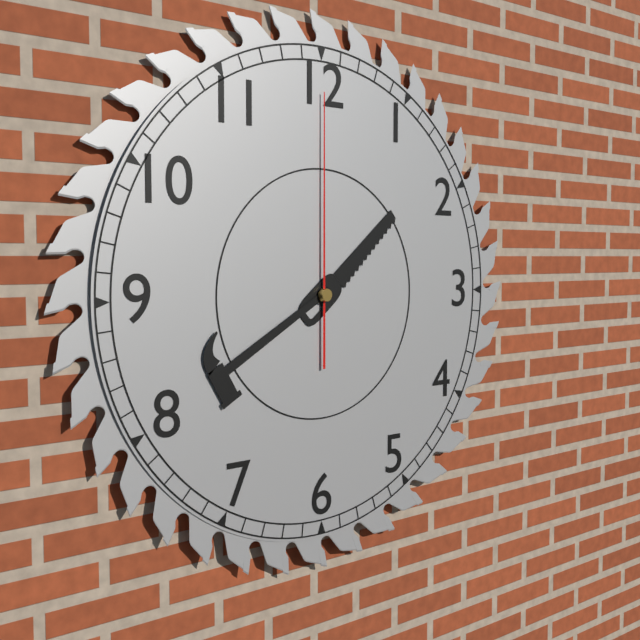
1:40:00
